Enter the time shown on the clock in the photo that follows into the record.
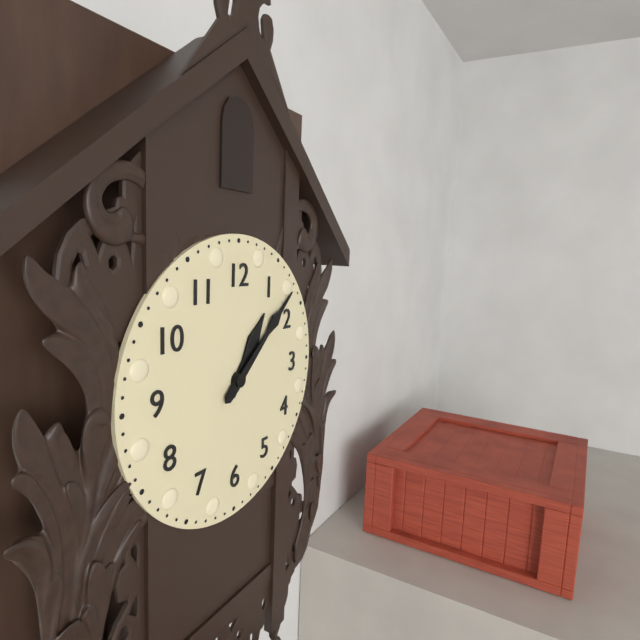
1:08
